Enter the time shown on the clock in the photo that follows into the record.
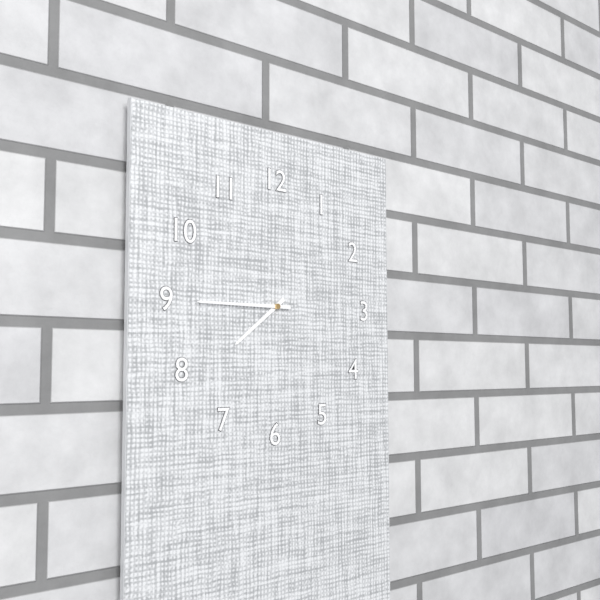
7:45
